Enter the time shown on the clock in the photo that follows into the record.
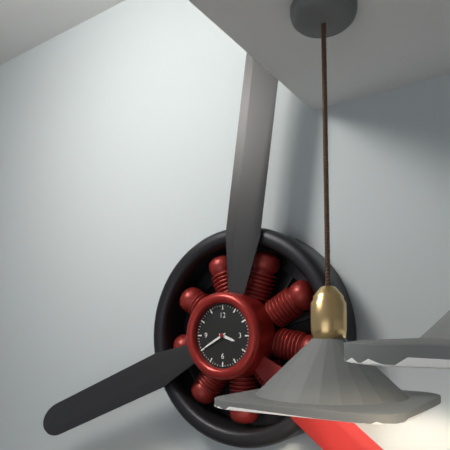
3:40
